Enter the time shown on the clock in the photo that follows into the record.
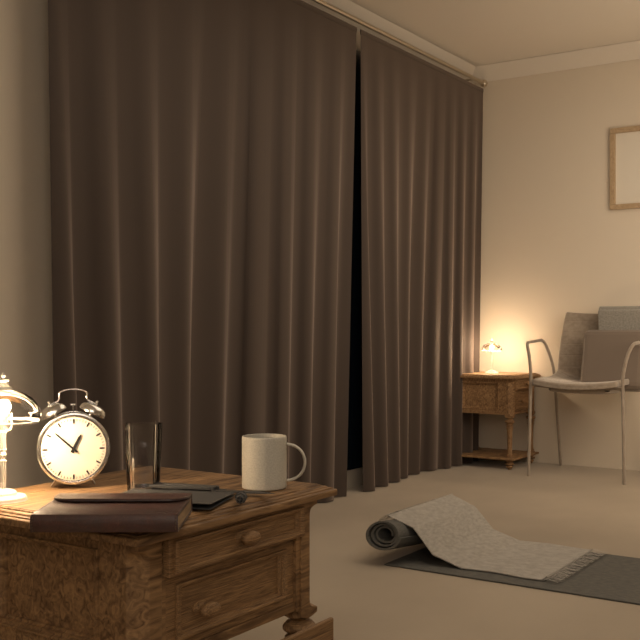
12:52
